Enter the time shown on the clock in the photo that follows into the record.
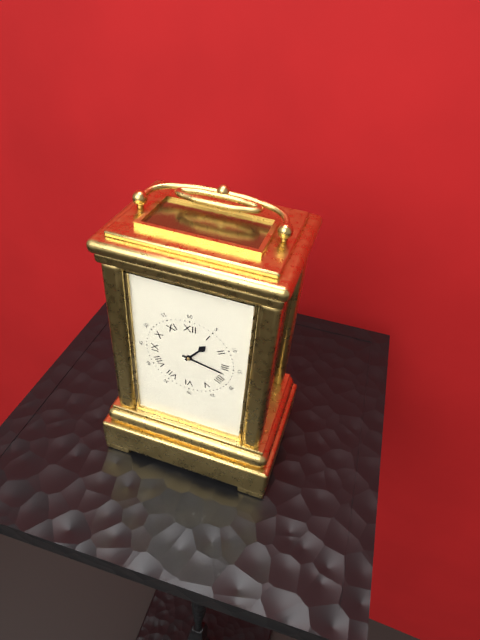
1:17
